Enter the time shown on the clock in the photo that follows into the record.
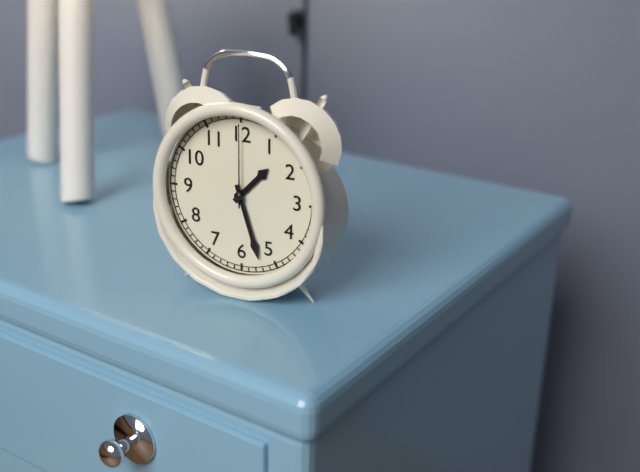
1:27:00
